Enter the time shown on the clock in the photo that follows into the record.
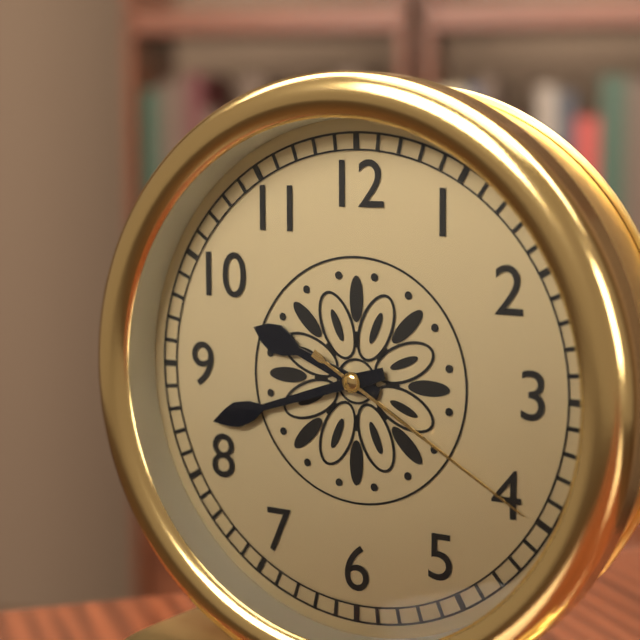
9:42:20
